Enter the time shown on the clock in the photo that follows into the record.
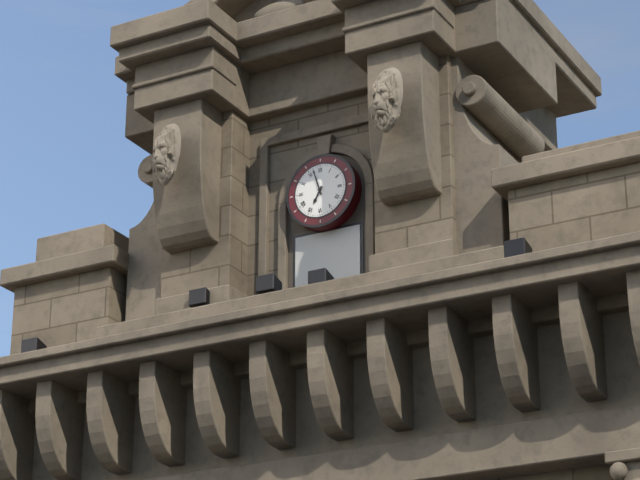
6:57
